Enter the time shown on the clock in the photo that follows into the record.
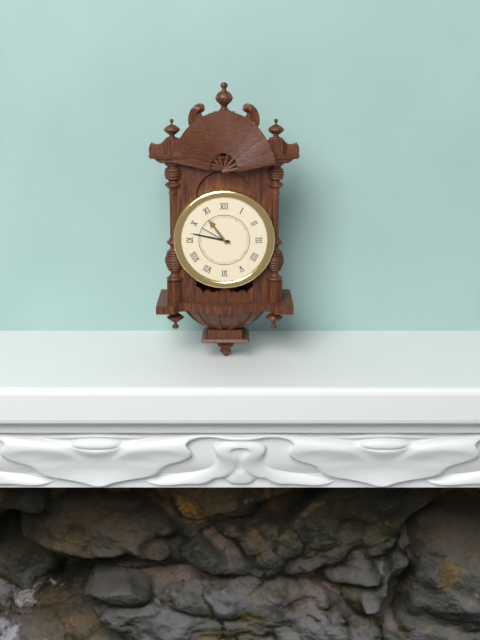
10:47
